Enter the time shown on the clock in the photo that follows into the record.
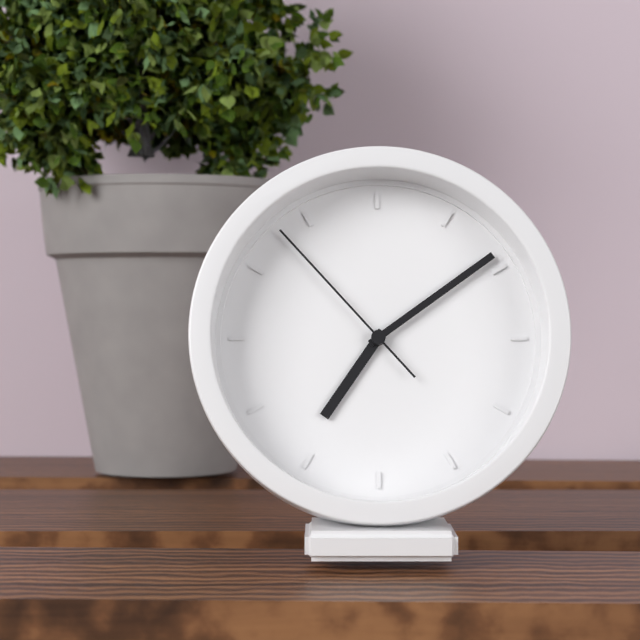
7:09:53
